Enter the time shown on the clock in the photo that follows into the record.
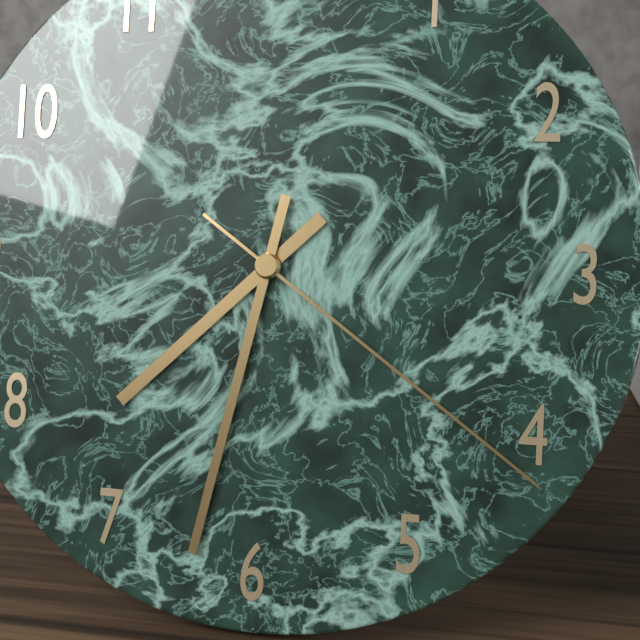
7:32:21
